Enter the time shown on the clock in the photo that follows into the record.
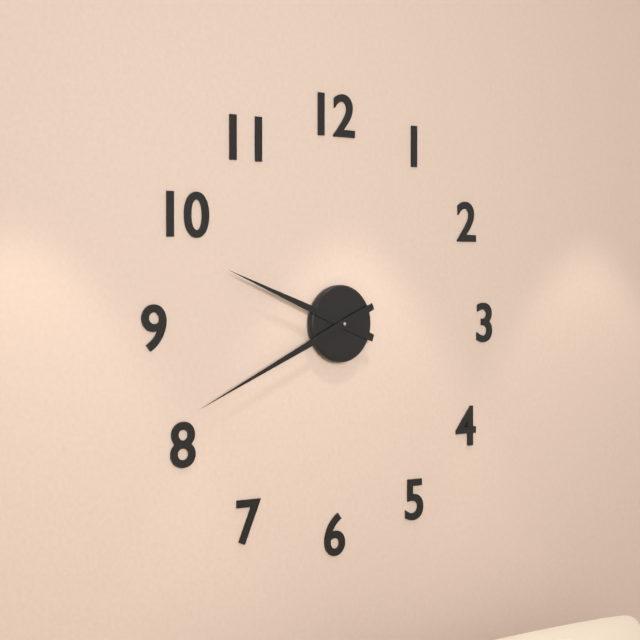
9:41
